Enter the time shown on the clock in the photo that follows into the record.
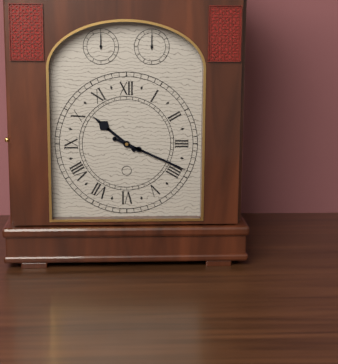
10:19
